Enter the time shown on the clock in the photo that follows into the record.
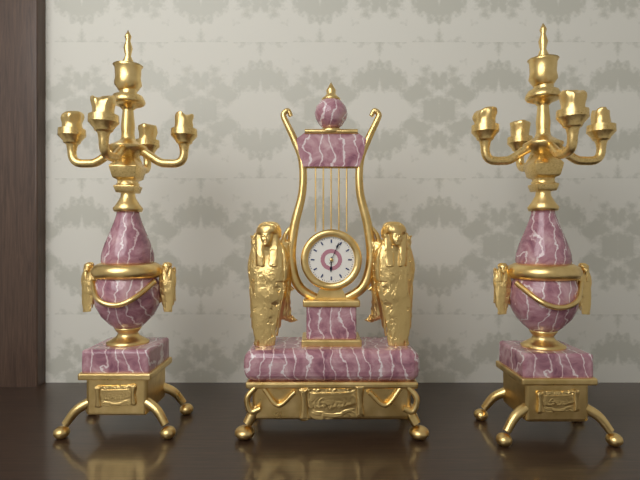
6:04
